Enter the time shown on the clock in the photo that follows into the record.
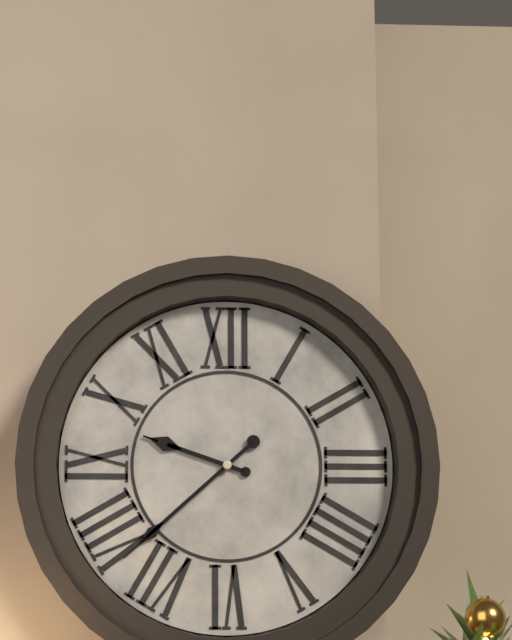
9:38
